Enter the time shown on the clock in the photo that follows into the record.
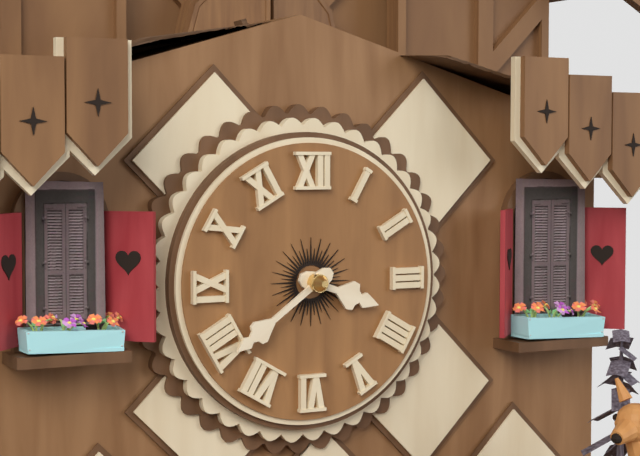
3:39
